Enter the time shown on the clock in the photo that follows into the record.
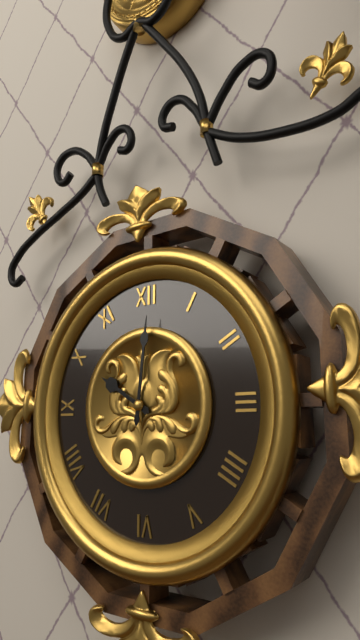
10:01
